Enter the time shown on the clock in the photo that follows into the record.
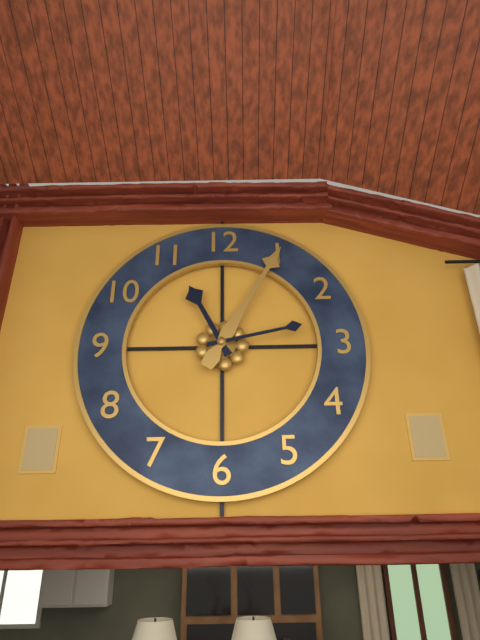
11:05:13
